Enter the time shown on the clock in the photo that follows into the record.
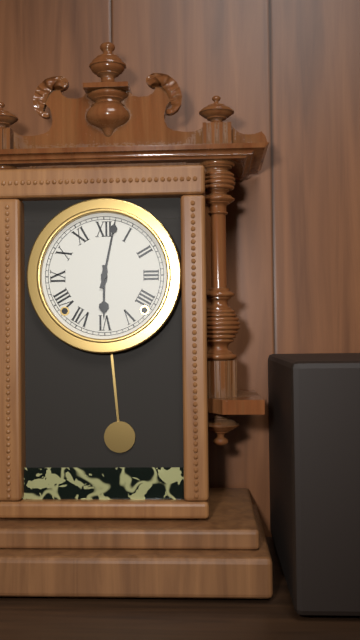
6:02
